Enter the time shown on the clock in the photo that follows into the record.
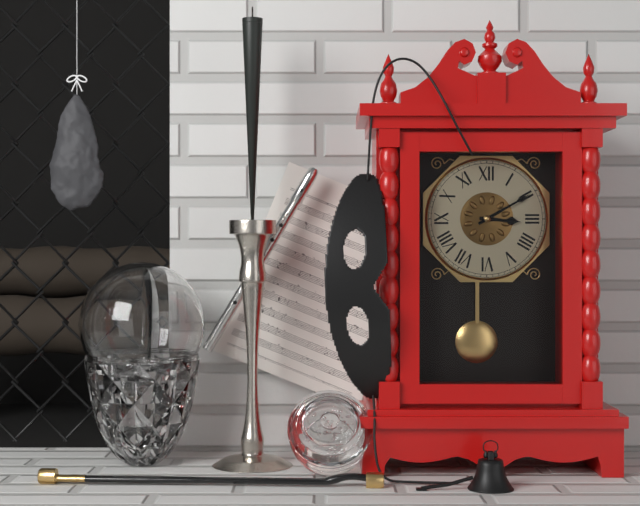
3:10
